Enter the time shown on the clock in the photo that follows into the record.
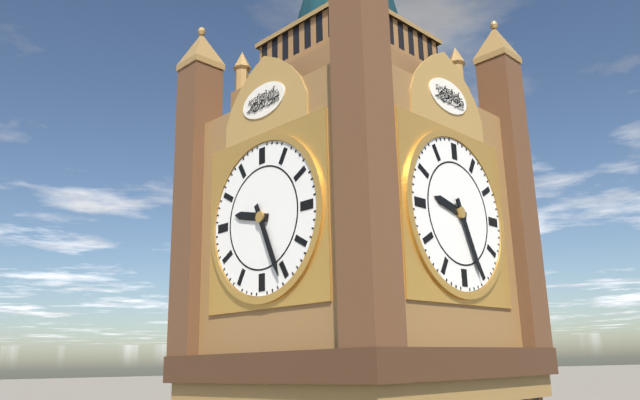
9:26
